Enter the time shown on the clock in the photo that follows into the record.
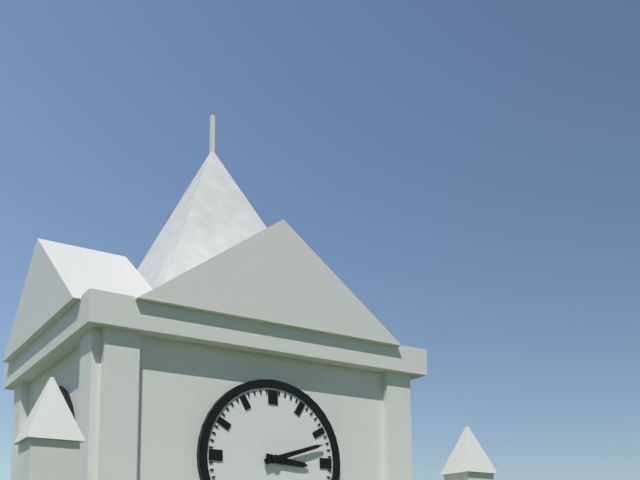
3:12
